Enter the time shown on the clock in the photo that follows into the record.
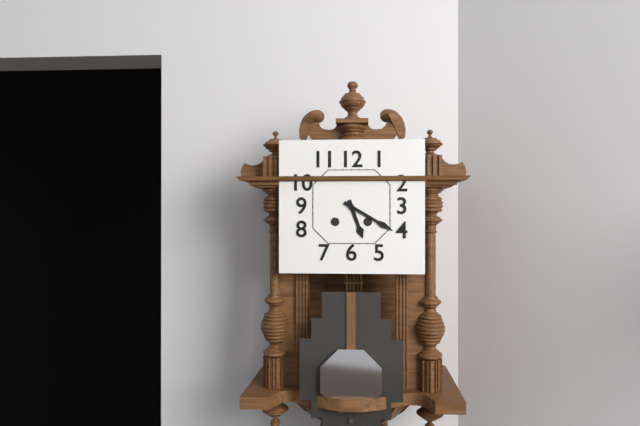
5:20
